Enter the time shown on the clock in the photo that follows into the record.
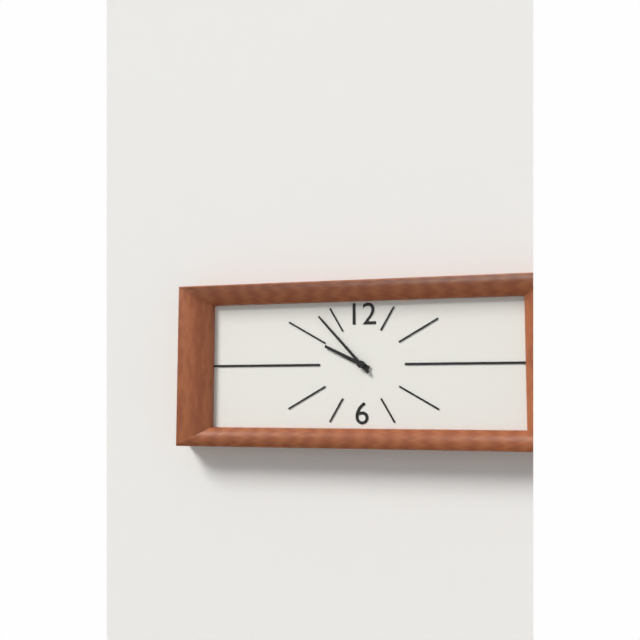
9:53
